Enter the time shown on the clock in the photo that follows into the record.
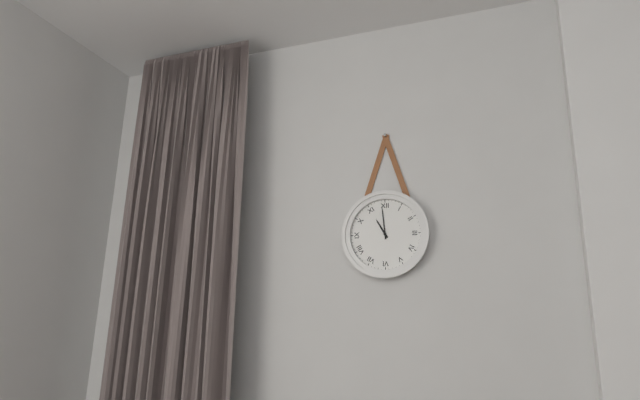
10:59
